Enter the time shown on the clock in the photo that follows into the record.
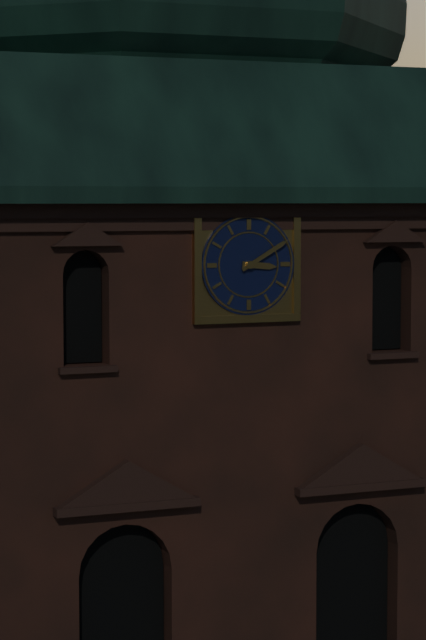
3:10
